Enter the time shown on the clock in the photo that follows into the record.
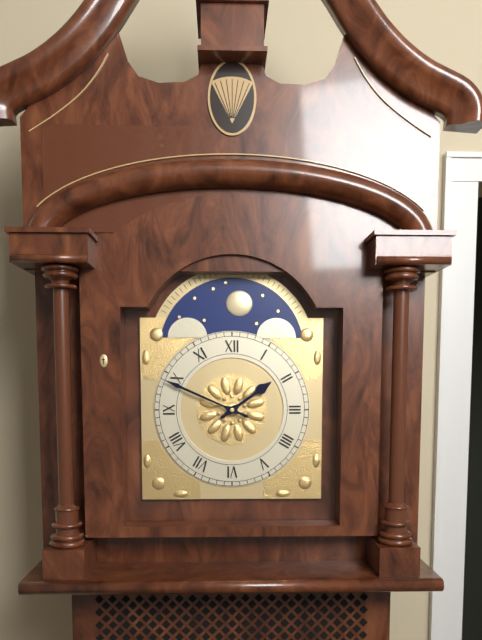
1:49
